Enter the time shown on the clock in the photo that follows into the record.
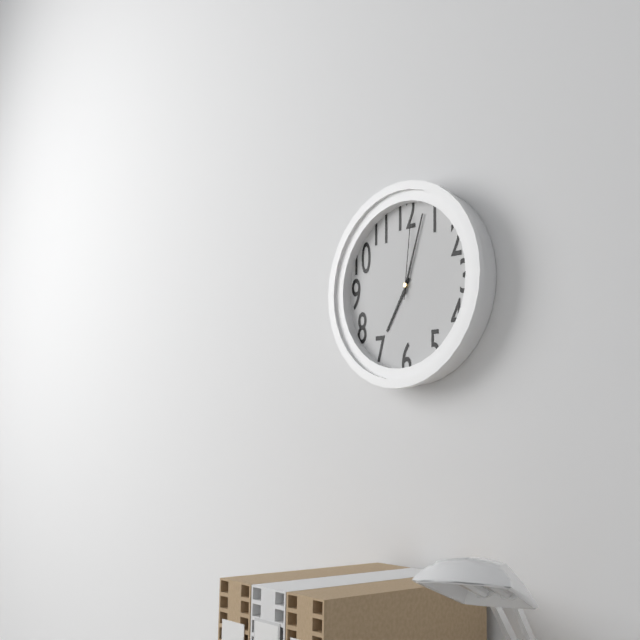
7:03:01
